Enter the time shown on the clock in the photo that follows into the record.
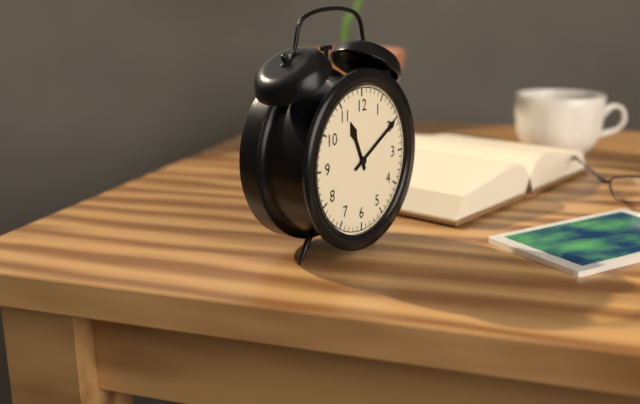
11:10
